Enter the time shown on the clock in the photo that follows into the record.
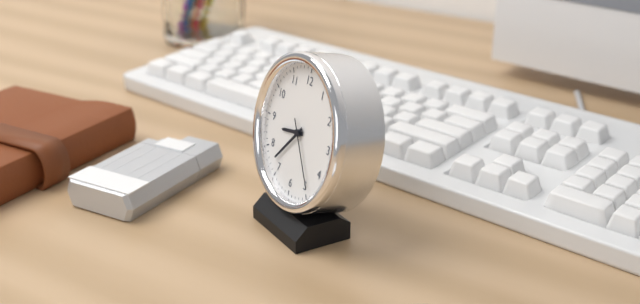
8:37:24
